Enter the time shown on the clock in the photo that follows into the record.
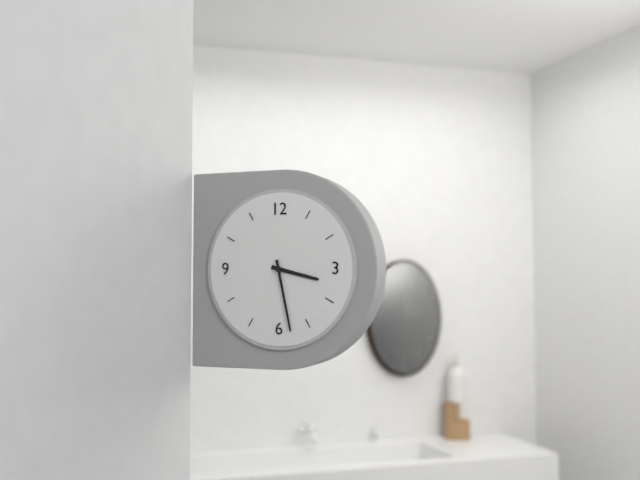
3:28
